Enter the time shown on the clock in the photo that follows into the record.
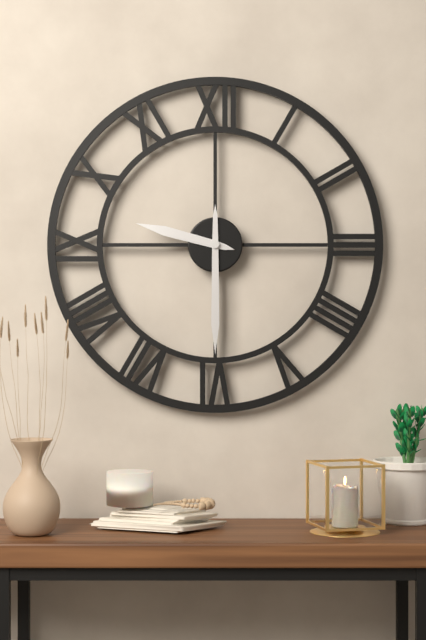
9:30
